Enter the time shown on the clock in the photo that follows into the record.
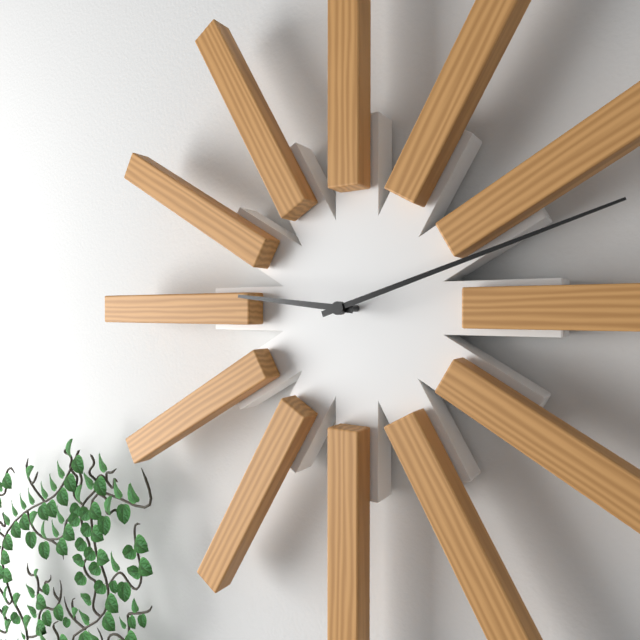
9:12
